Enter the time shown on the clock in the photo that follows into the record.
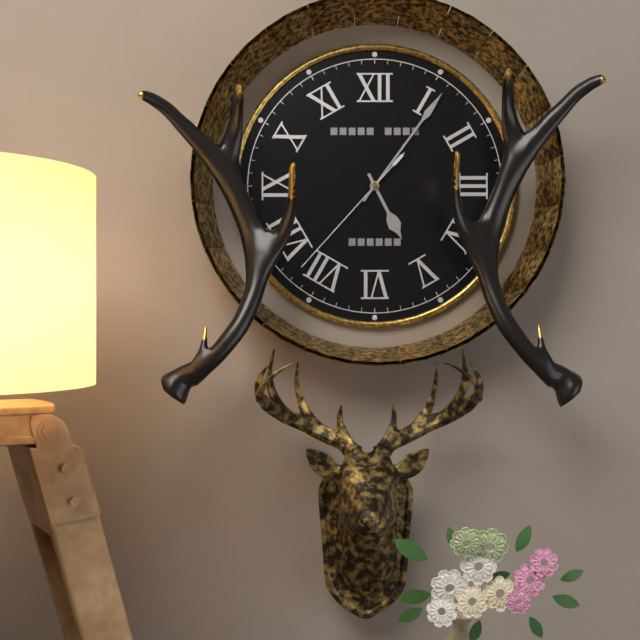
5:06:37
